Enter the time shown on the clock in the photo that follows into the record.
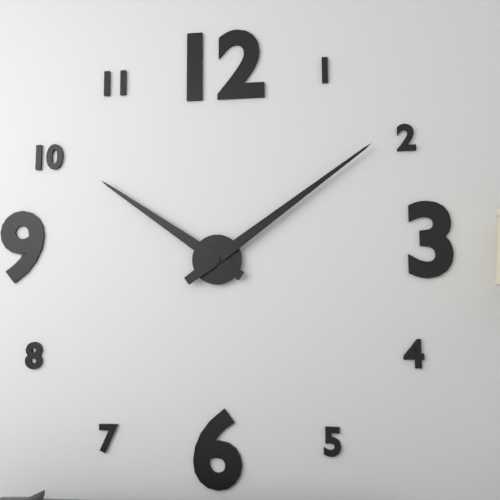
10:09
